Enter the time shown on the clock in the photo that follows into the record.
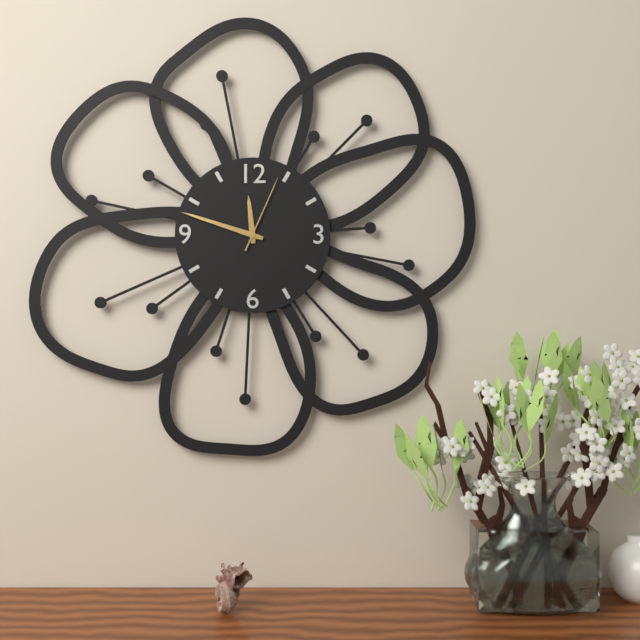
11:48:04
